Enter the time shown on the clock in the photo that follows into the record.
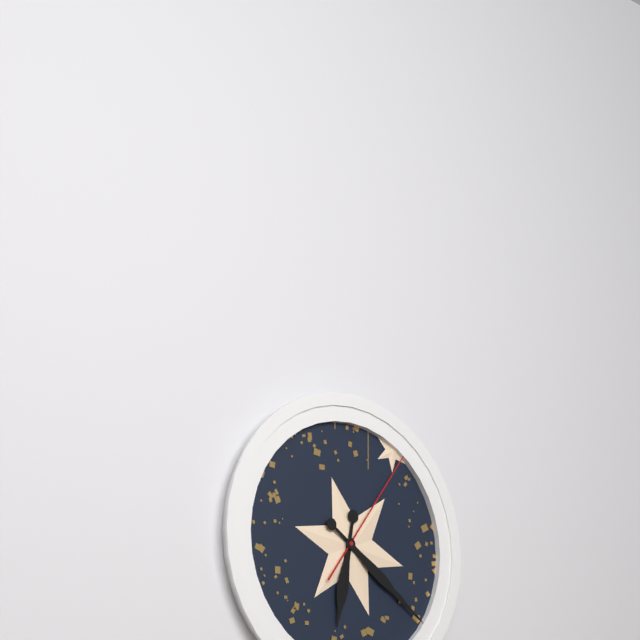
6:21:06
